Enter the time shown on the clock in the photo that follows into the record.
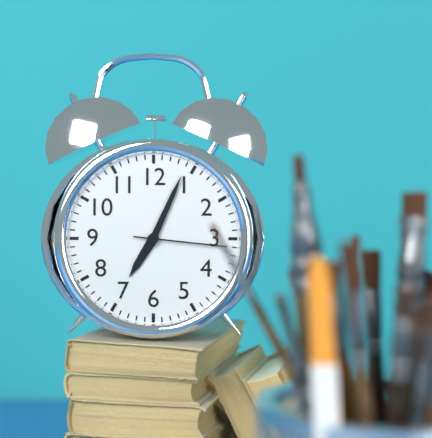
7:04:16
